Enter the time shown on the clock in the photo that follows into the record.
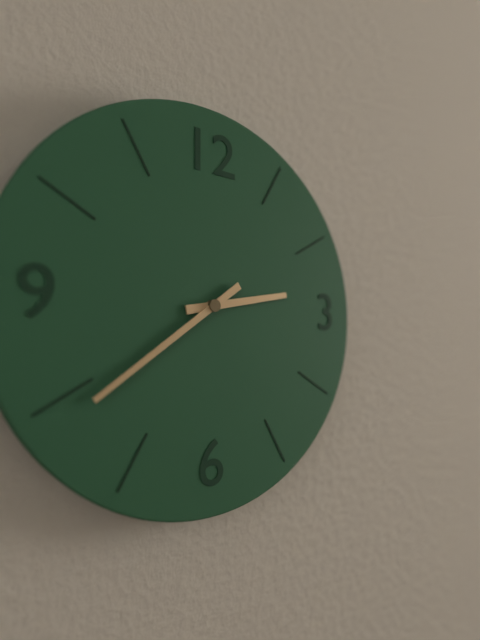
2:39
